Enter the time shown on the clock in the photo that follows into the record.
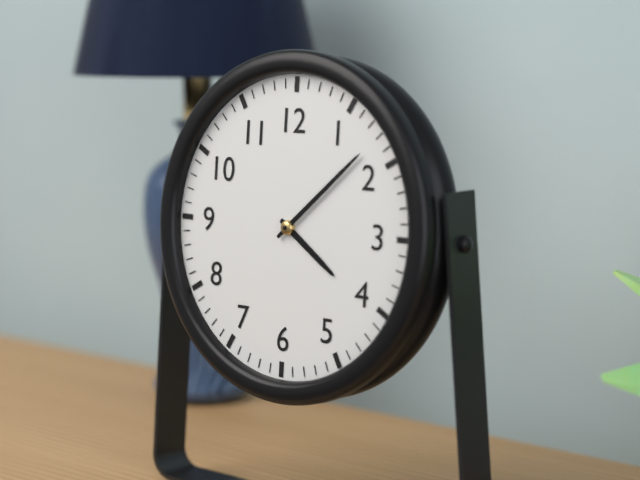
4:08
